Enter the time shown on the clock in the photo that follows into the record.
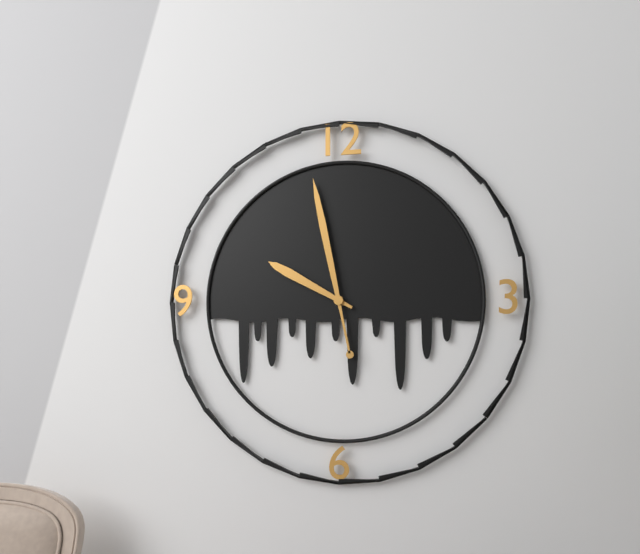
9:58
